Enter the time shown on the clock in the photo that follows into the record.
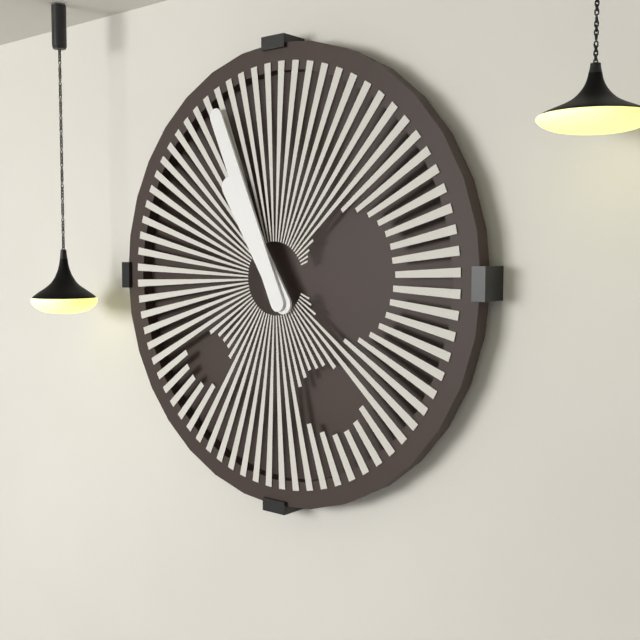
10:56
